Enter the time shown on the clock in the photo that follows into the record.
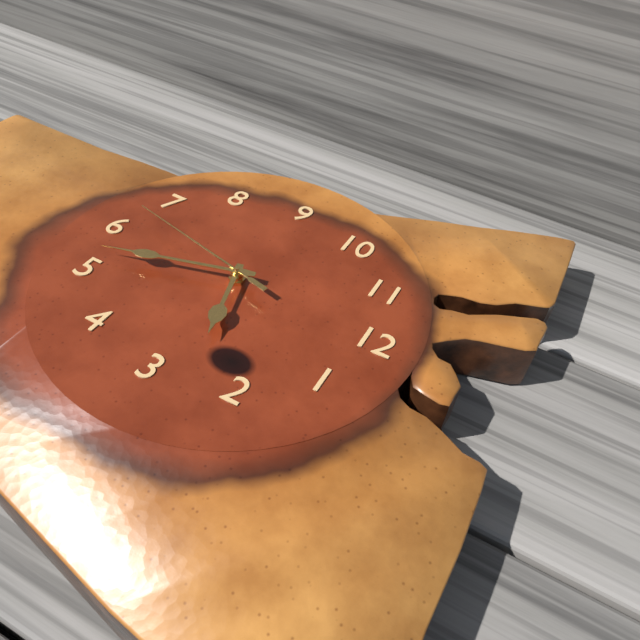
2:27:32
